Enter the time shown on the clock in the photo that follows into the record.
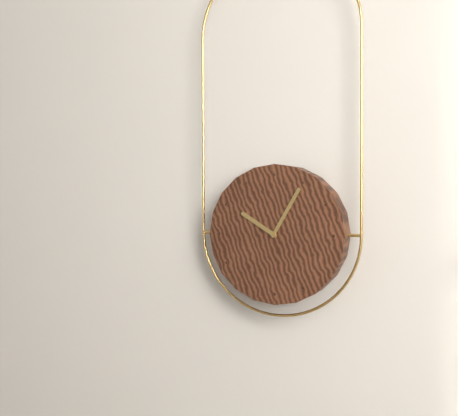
10:05
